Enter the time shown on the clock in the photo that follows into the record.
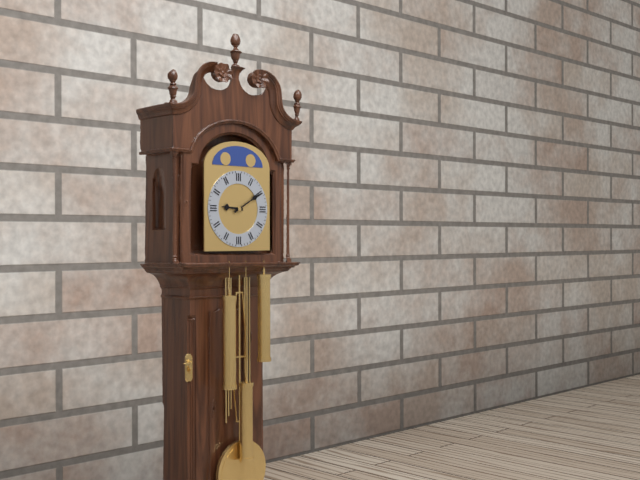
9:10
